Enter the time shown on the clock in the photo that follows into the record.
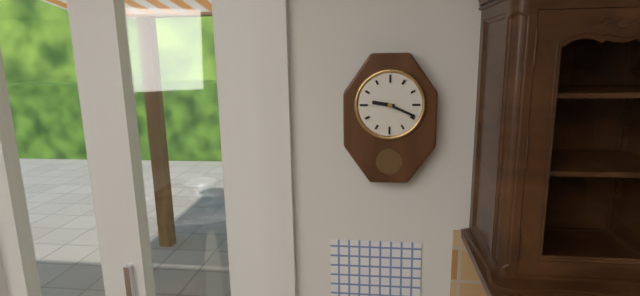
9:19
